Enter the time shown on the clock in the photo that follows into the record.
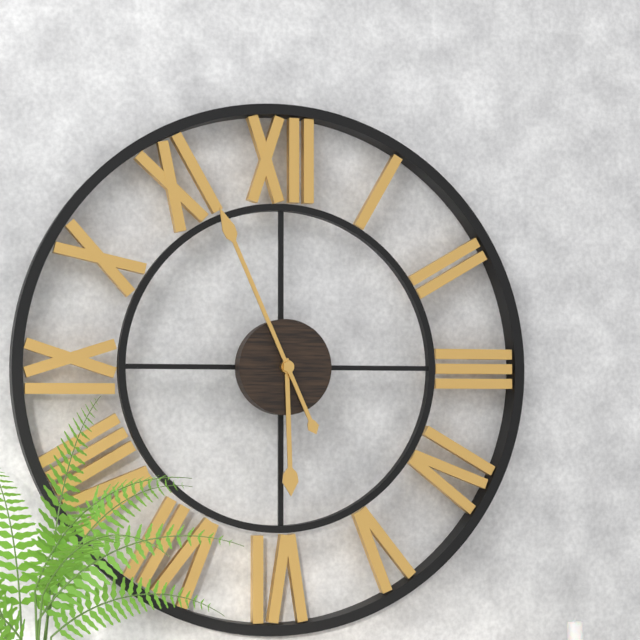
5:56
